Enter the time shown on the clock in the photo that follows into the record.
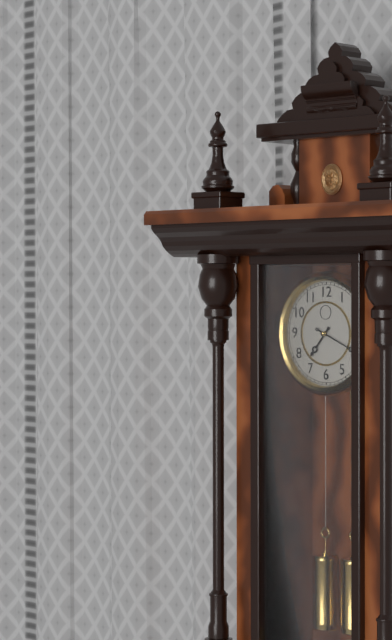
7:19
